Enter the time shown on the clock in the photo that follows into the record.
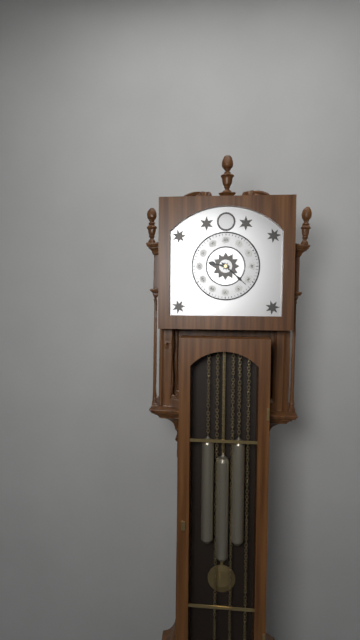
9:22
